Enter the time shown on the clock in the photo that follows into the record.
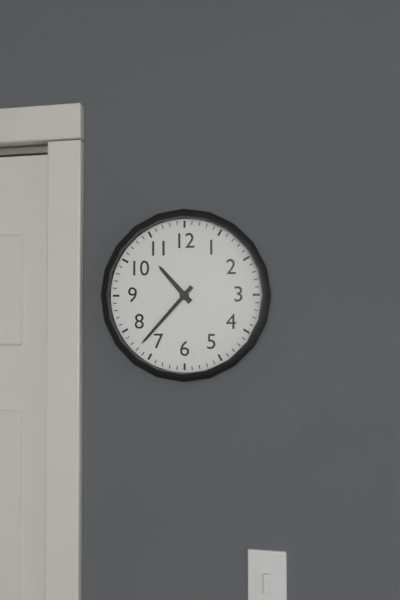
10:37
